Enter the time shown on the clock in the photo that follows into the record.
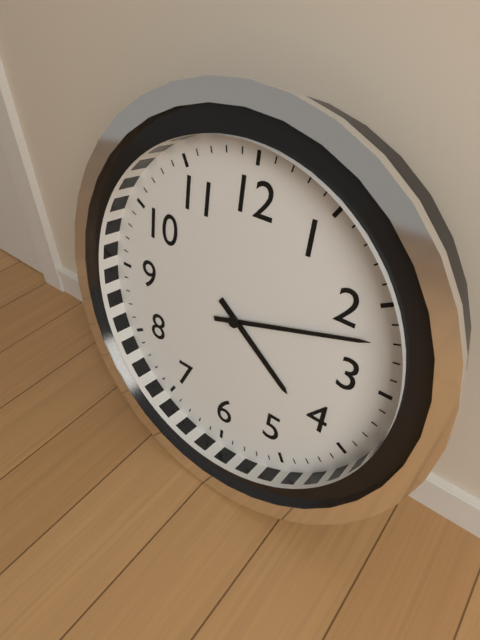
4:12
